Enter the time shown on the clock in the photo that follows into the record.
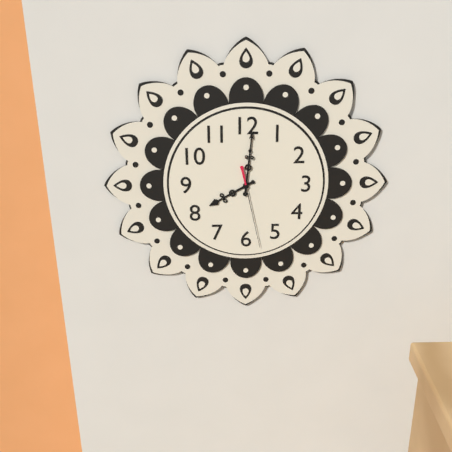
8:01:28
